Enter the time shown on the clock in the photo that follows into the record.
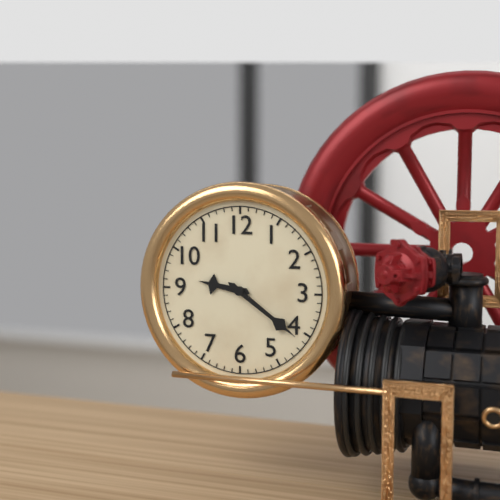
9:21
